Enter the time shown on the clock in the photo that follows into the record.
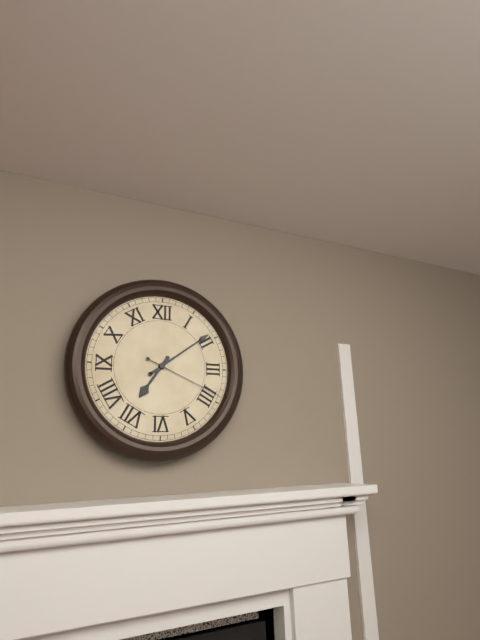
7:09:19
